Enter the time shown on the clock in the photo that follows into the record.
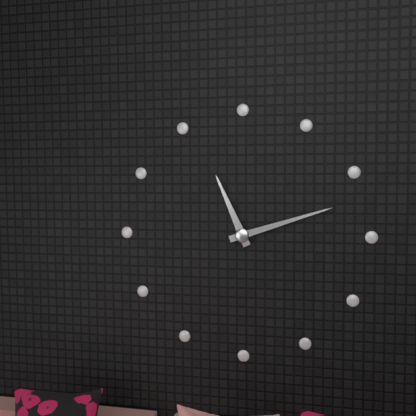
11:12
